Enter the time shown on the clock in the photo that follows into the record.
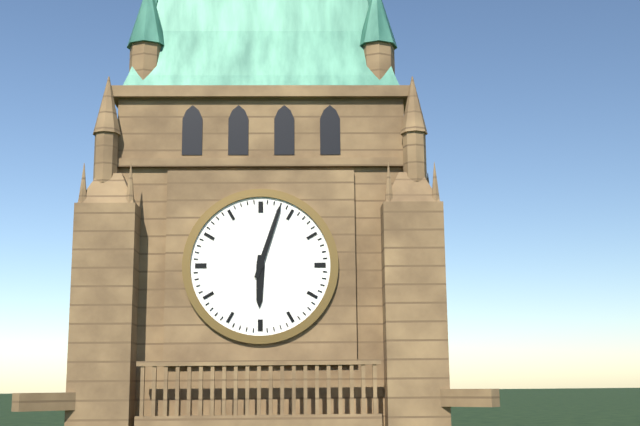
6:03
